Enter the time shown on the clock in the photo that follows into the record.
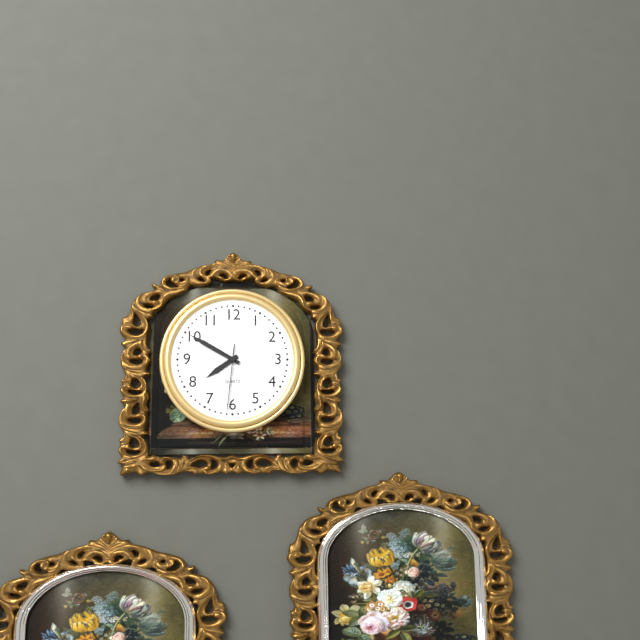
7:50:31
